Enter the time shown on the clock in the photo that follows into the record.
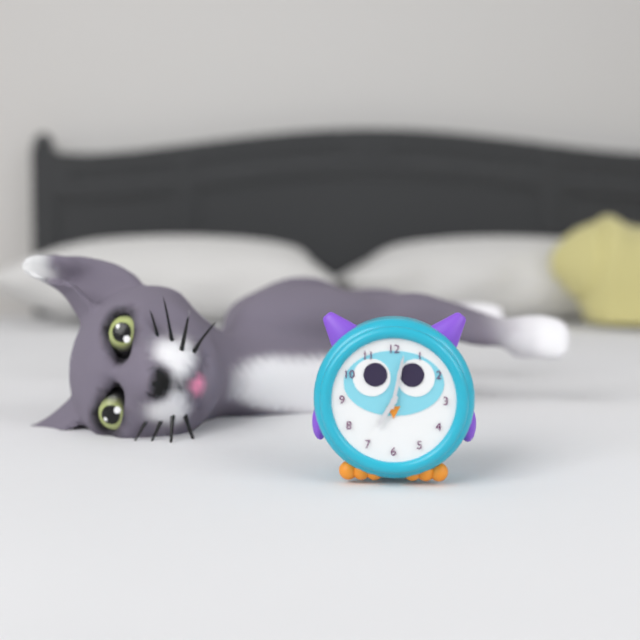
7:02
